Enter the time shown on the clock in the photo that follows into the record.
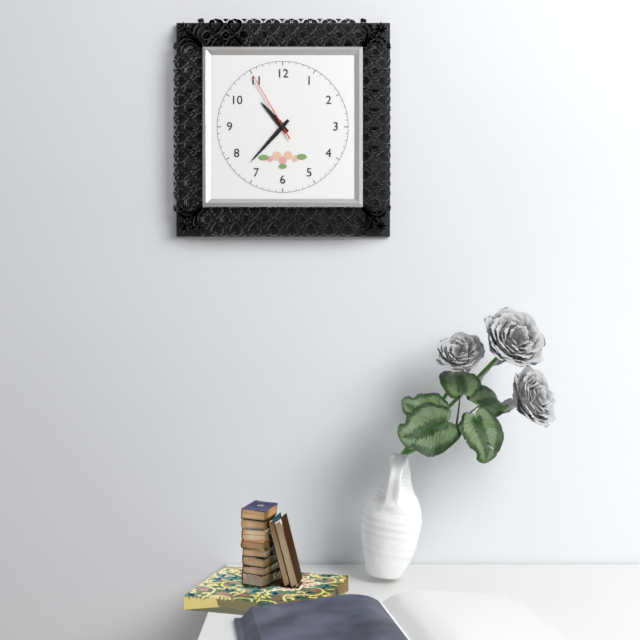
10:37:55
